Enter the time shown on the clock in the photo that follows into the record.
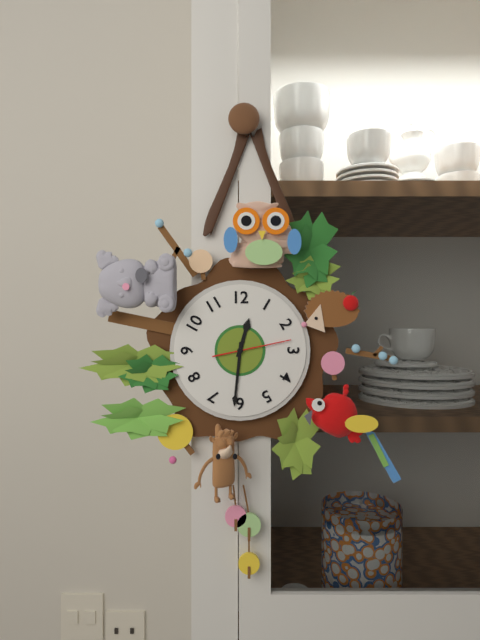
12:31:13
